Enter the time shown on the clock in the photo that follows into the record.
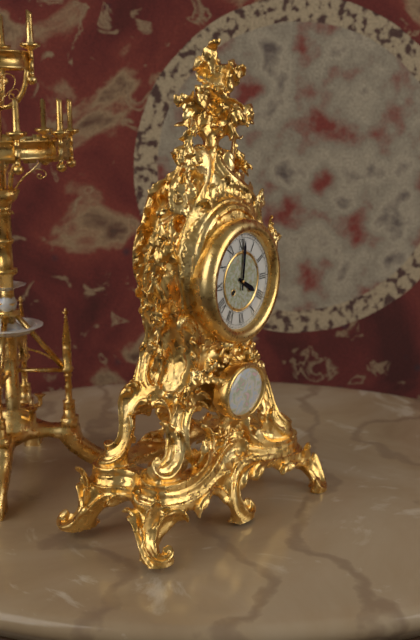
4:01
